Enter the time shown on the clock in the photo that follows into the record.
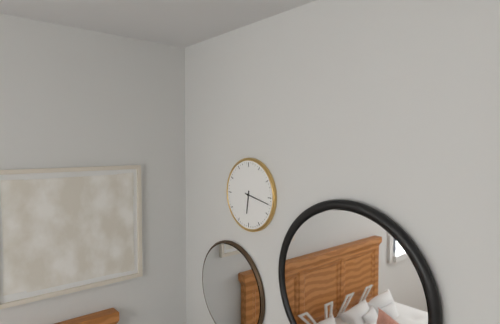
6:17
